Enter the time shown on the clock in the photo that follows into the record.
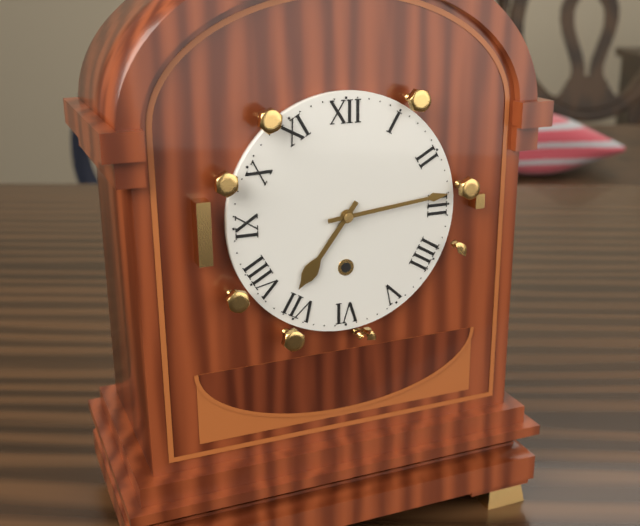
7:14
